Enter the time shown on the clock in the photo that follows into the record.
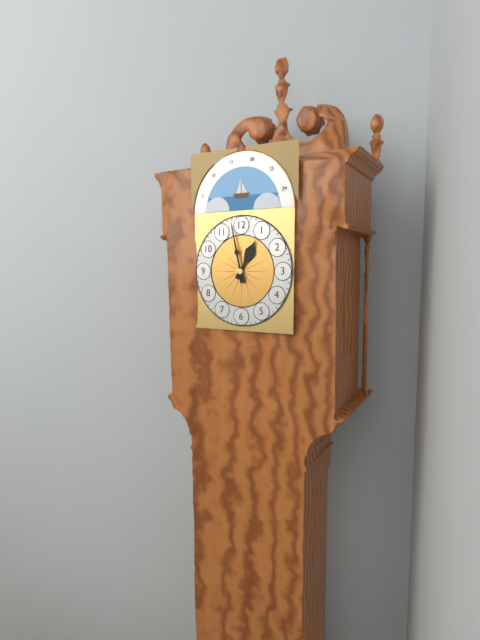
12:58
